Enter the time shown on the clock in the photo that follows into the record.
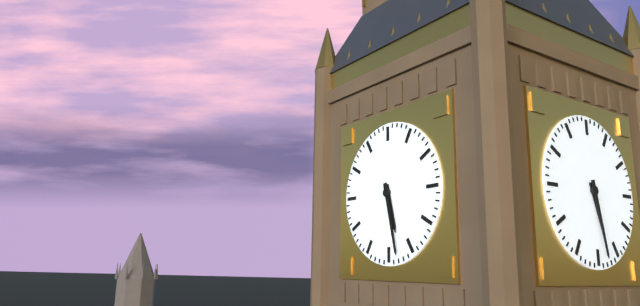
5:28
